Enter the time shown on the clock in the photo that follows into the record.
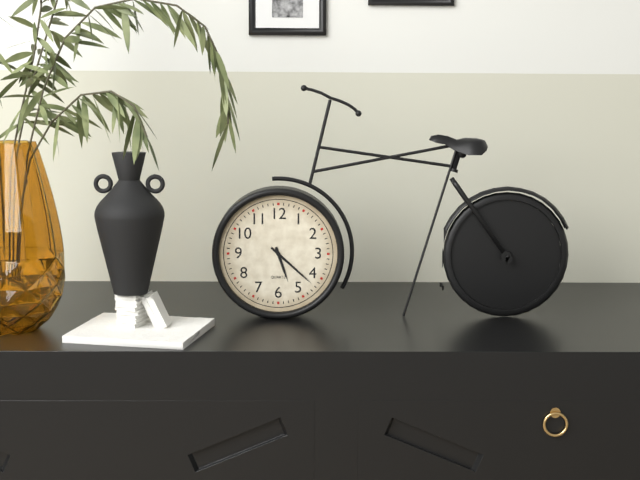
5:22
